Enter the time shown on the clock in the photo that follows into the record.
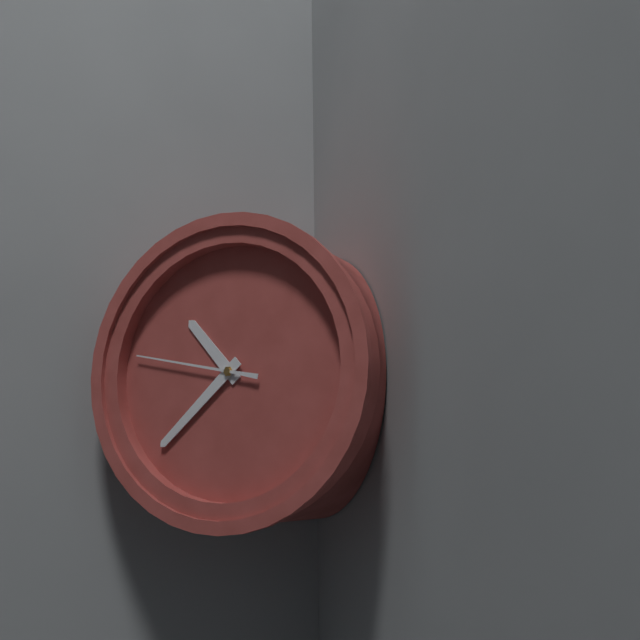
10:38:47
